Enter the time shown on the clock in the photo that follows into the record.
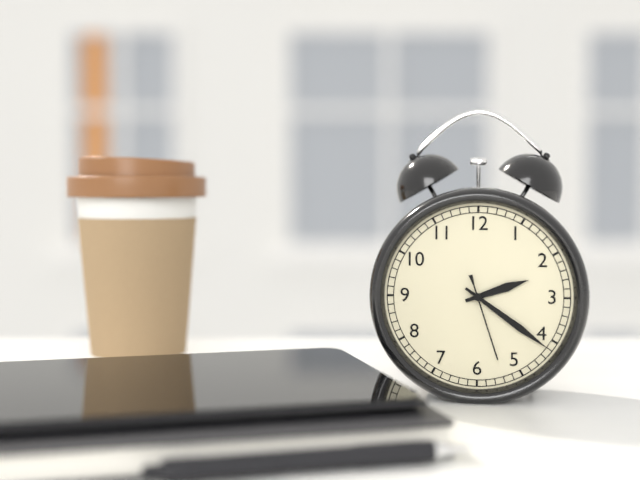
2:21:27
